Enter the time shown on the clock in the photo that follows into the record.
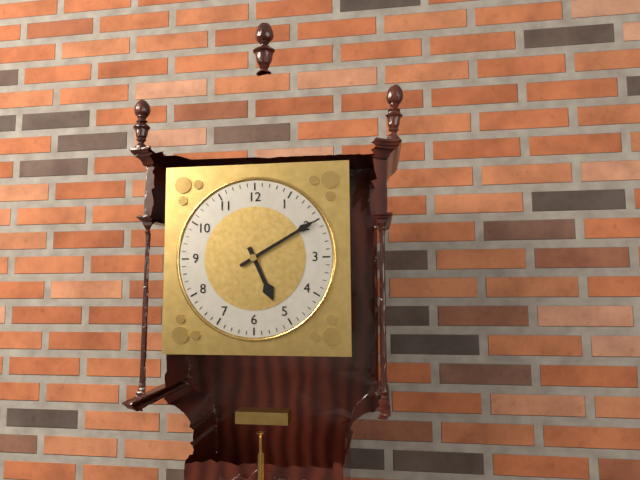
5:10
